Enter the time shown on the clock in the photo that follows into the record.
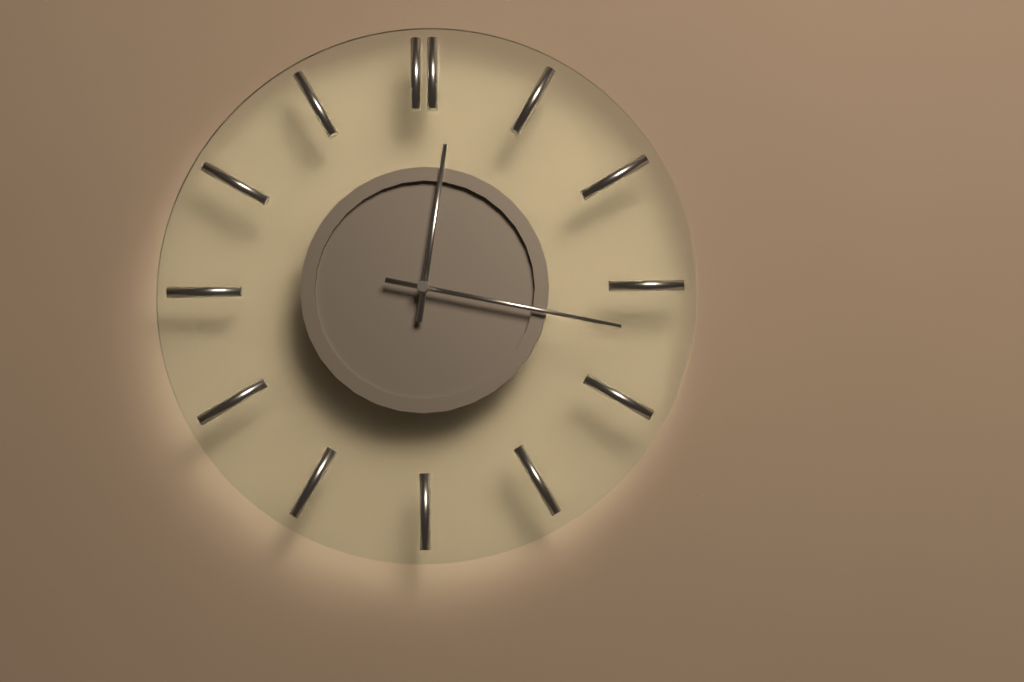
12:17
